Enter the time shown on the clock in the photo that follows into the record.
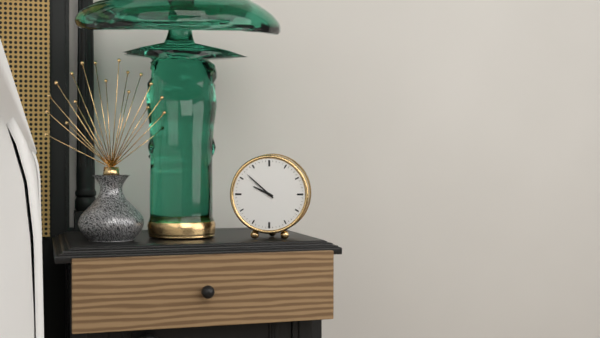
9:52
